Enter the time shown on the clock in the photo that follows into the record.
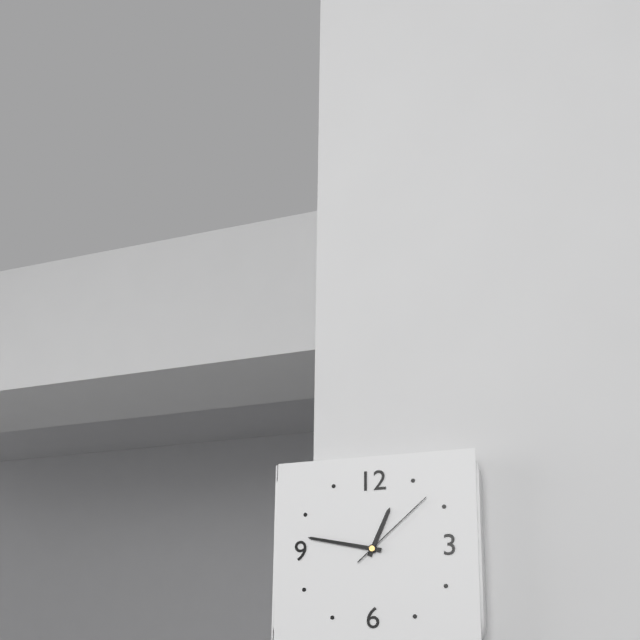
12:47:08
